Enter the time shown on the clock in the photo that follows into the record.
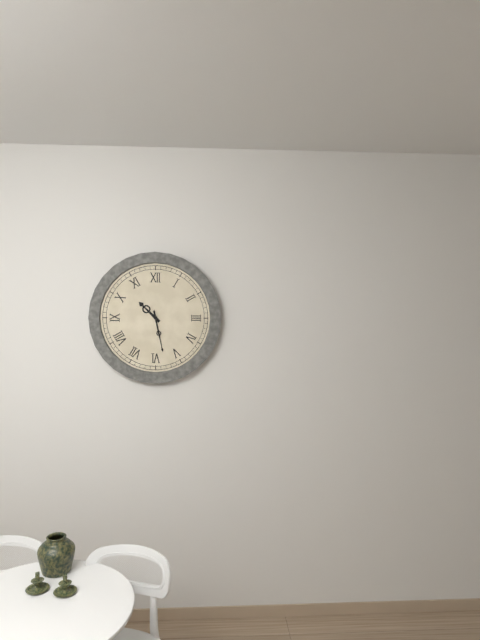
10:28
